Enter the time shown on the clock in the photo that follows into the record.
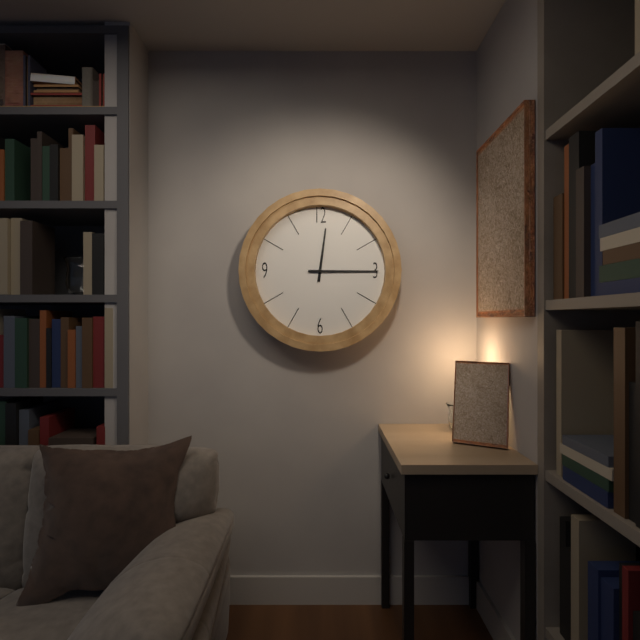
12:15
